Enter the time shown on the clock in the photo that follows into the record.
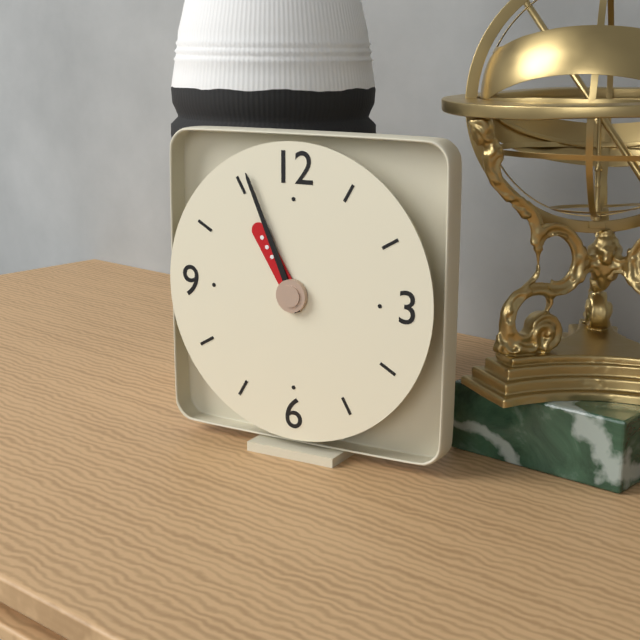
10:56
